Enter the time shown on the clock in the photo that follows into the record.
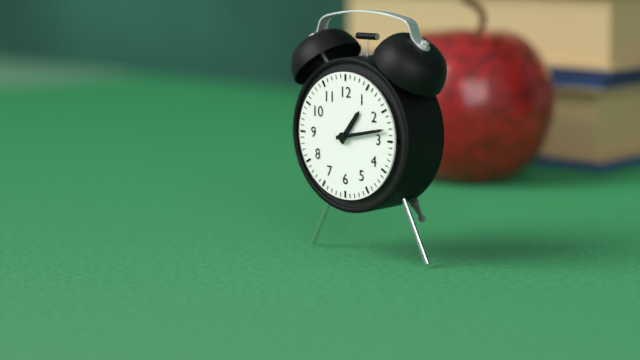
1:13
